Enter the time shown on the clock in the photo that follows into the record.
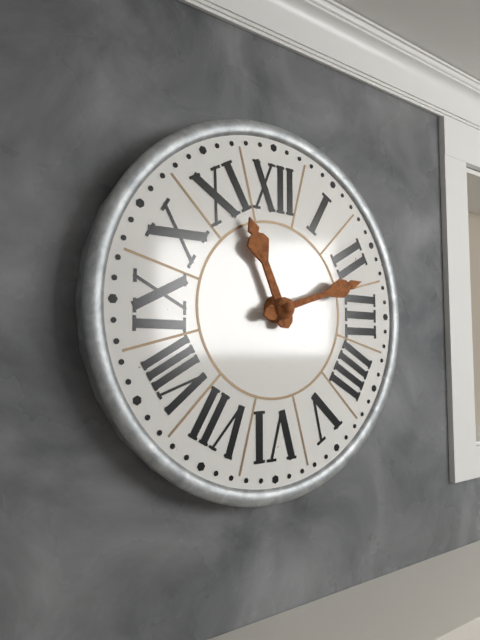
11:12
